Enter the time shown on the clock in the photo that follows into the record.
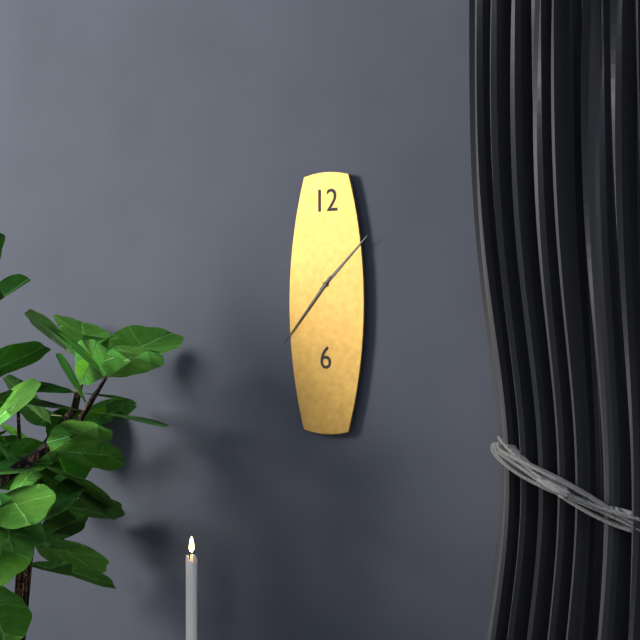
1:37
